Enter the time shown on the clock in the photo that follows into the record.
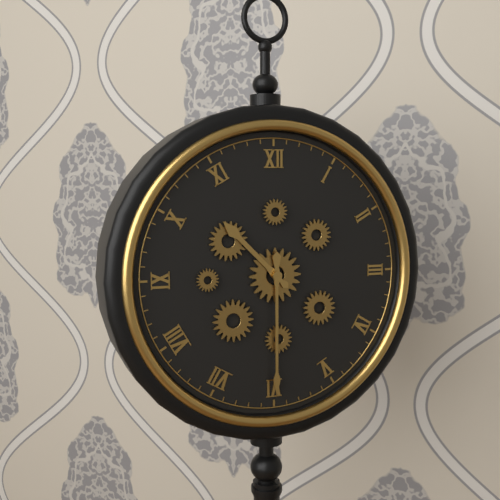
10:30
